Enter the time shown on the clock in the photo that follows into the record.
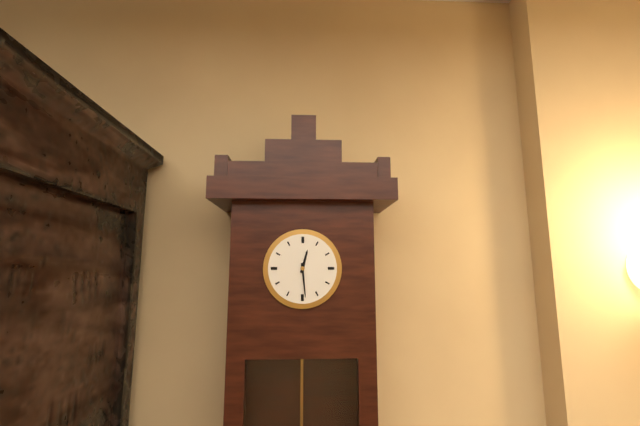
12:29
